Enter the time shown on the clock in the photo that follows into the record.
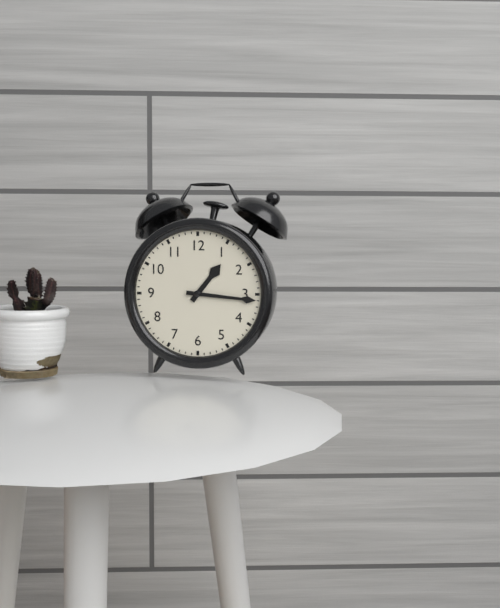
1:16
